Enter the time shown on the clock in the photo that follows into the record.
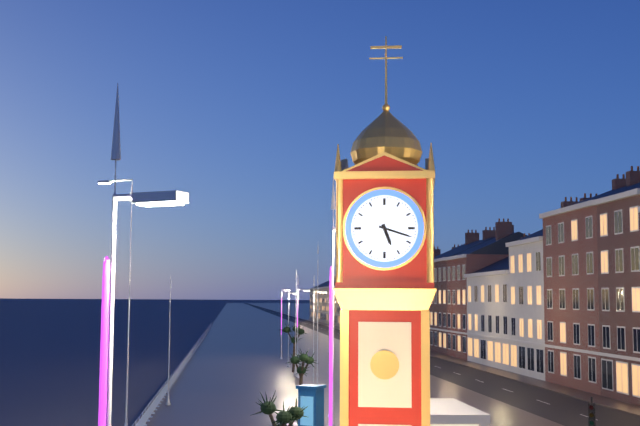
5:18
